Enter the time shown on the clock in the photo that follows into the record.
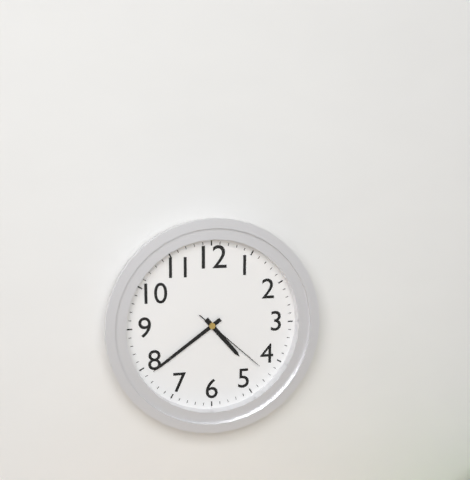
4:39:22
